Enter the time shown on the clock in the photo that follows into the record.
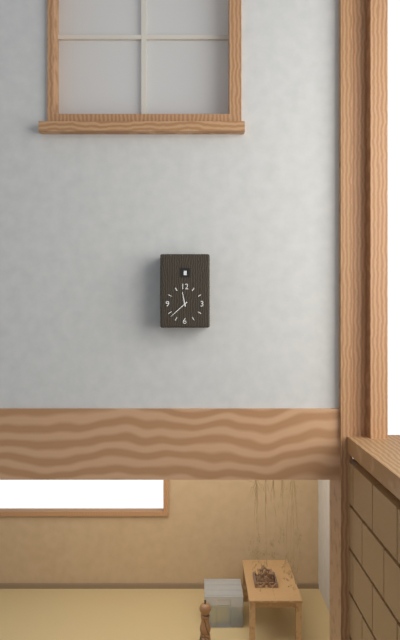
11:38
